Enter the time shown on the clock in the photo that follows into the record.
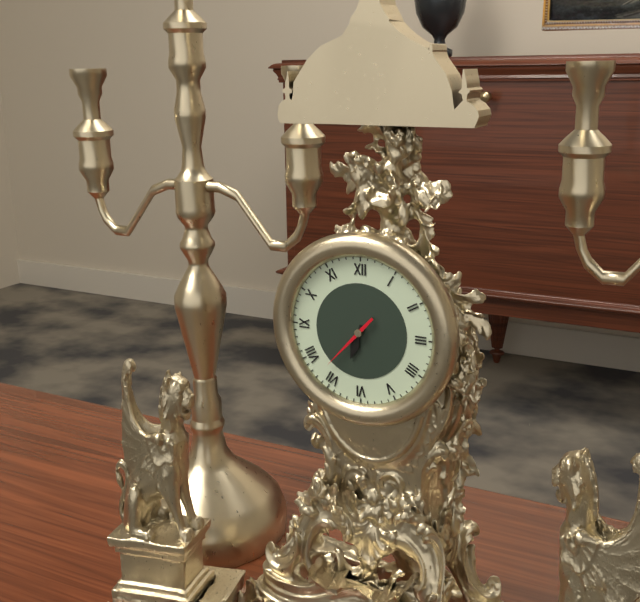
6:37
